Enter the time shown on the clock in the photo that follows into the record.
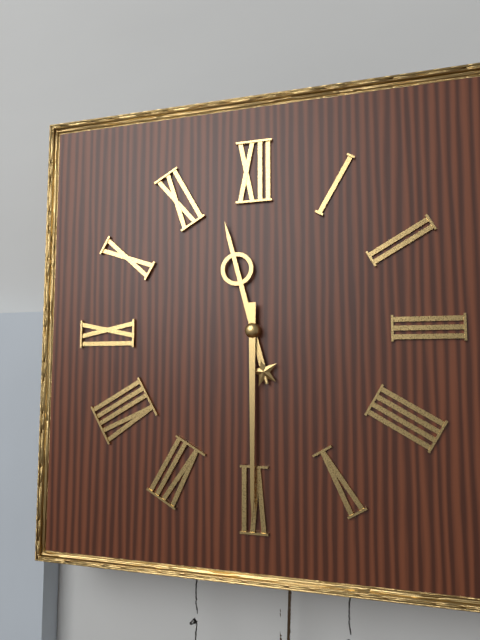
11:30
